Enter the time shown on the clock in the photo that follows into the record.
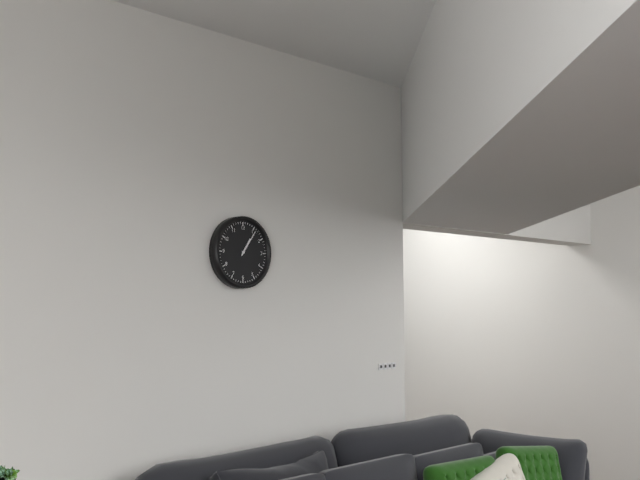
1:06
